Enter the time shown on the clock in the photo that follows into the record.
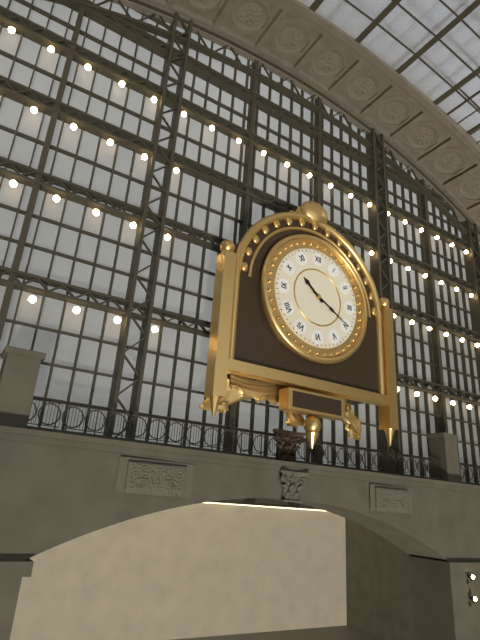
10:20
